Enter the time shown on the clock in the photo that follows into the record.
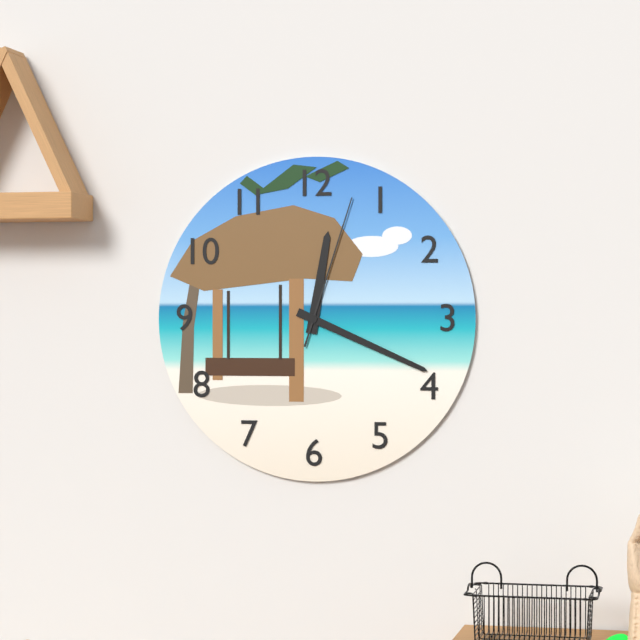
12:19:03
